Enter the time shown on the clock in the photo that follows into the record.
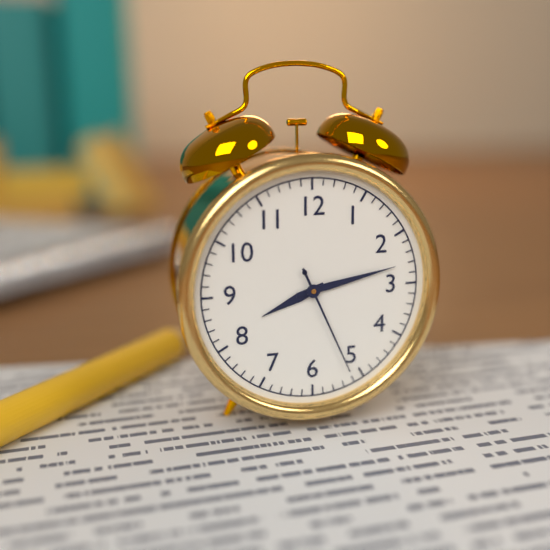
8:13:26
